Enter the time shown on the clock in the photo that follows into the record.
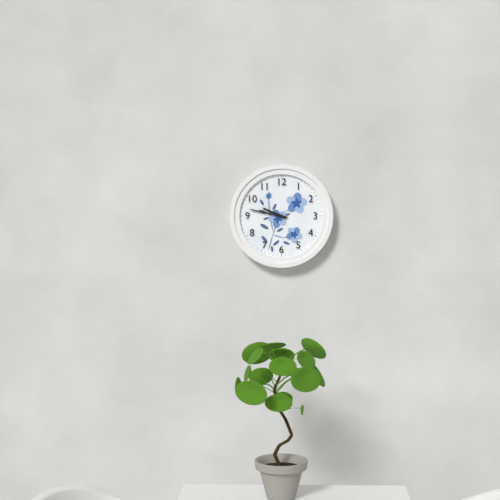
9:47
